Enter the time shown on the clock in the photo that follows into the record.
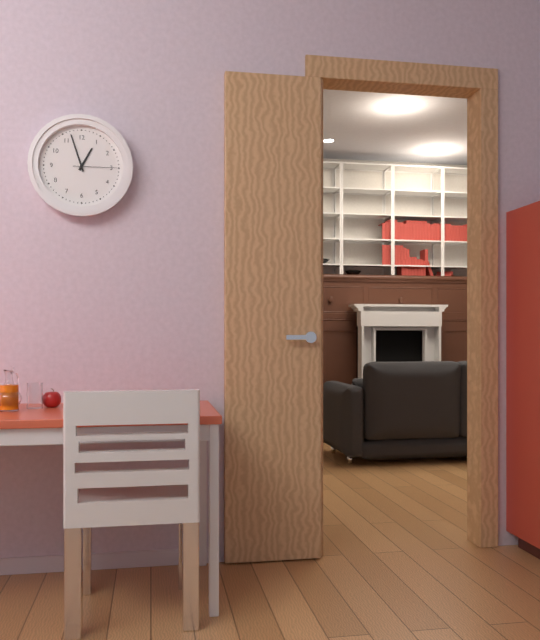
12:57
